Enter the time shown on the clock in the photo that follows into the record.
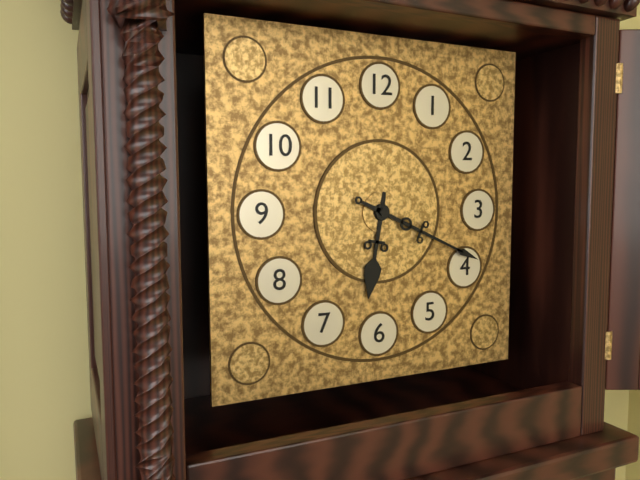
6:19
